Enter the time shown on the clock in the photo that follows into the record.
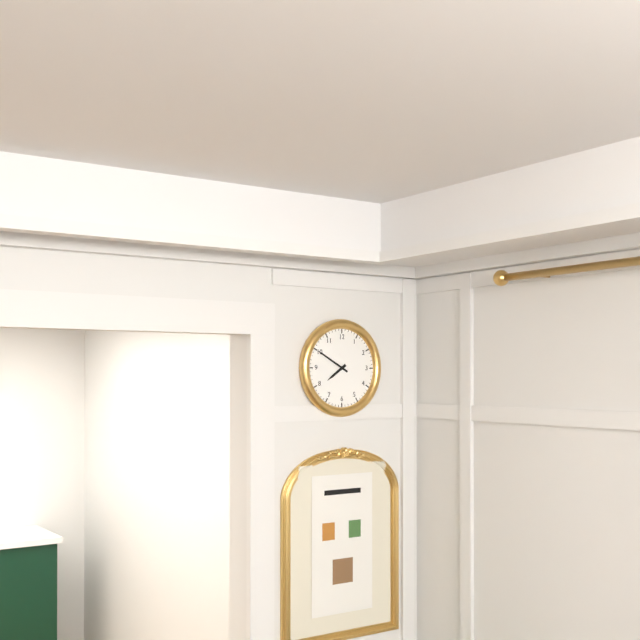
7:50
